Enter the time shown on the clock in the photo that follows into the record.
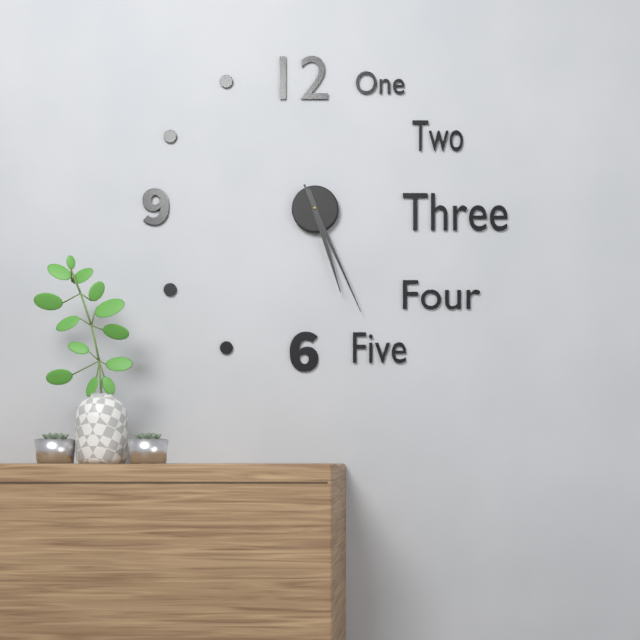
5:26
